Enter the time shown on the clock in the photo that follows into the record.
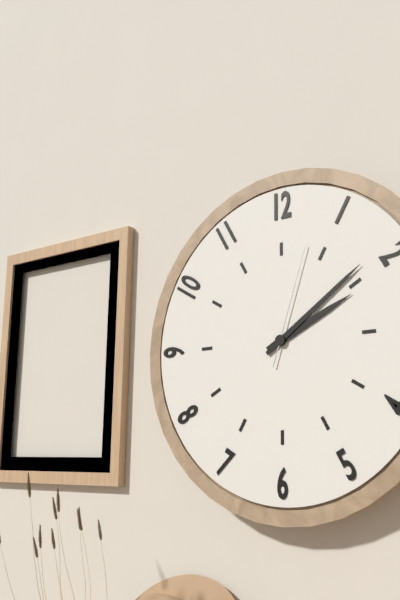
2:09:03
